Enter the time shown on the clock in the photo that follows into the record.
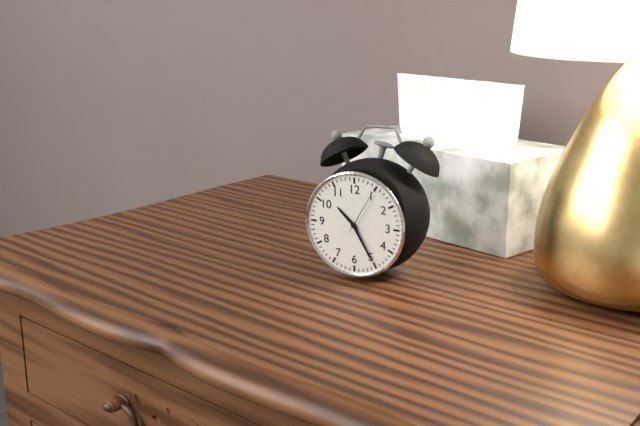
10:25:05
